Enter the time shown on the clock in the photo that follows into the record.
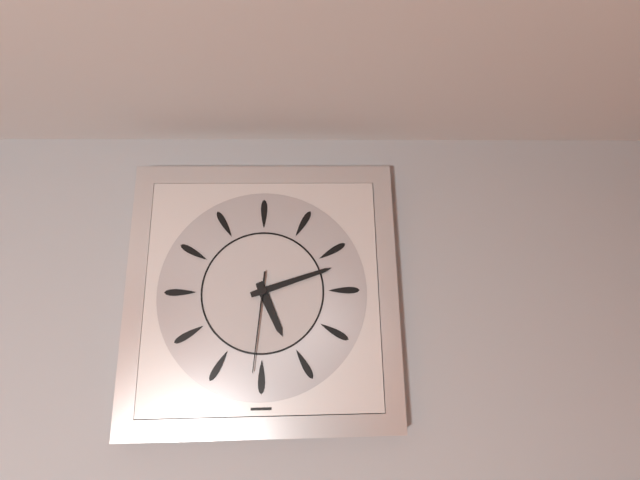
5:12:31
